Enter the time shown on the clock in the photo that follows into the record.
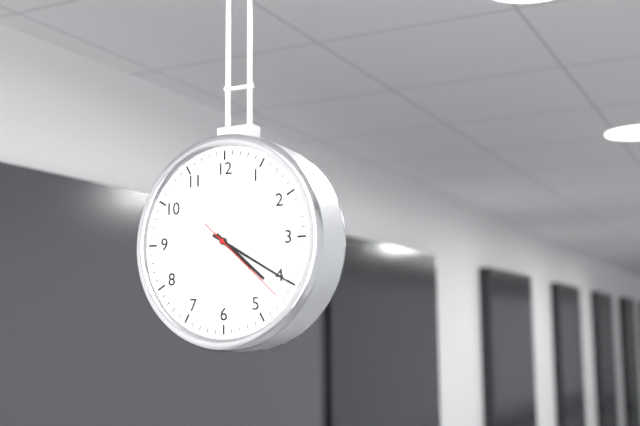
4:20:22
